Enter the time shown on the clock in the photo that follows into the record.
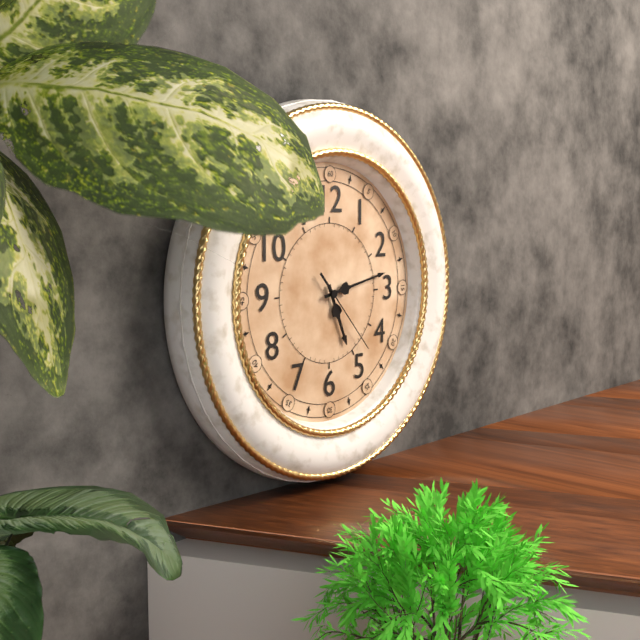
5:13:23
